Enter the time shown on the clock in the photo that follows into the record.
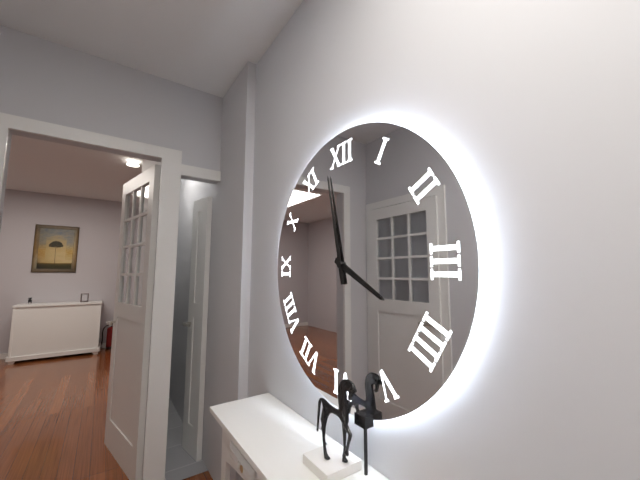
3:58
